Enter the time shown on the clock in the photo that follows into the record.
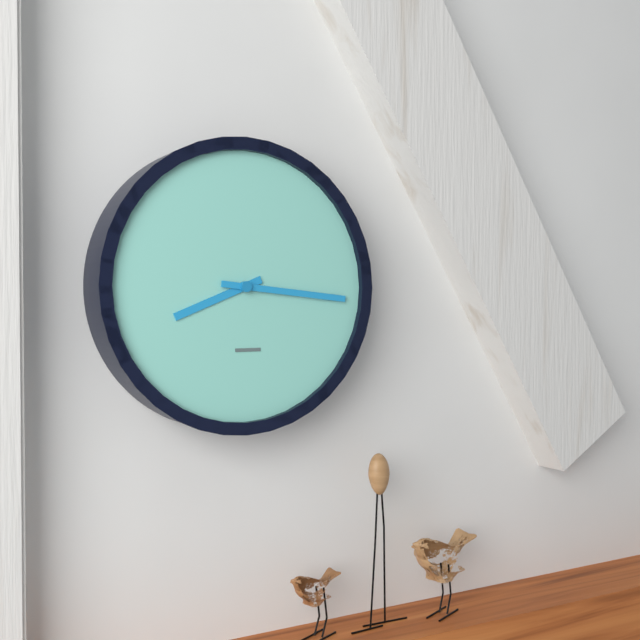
8:16
